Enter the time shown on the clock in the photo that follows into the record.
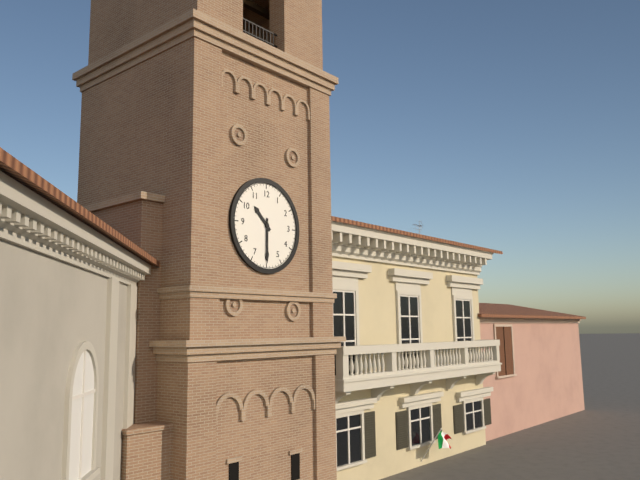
10:30
